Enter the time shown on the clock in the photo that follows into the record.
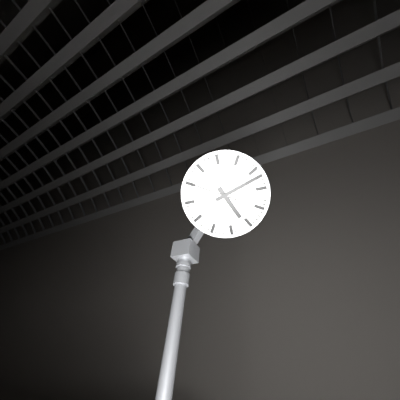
5:12
